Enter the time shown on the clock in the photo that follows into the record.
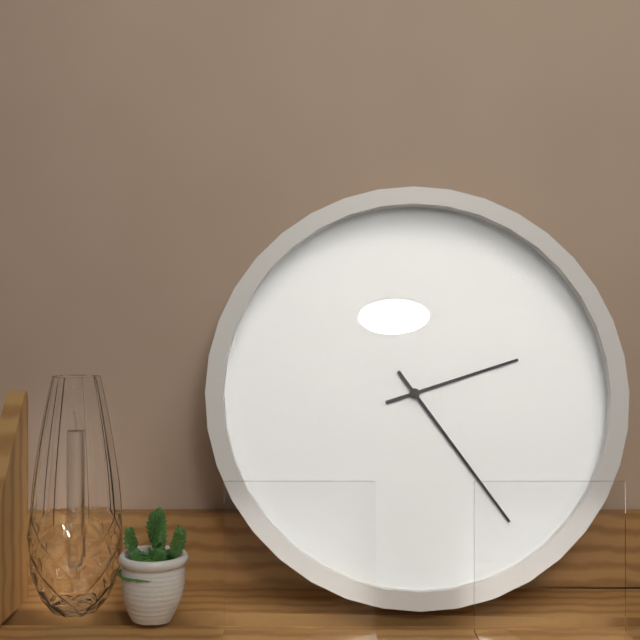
2:24
